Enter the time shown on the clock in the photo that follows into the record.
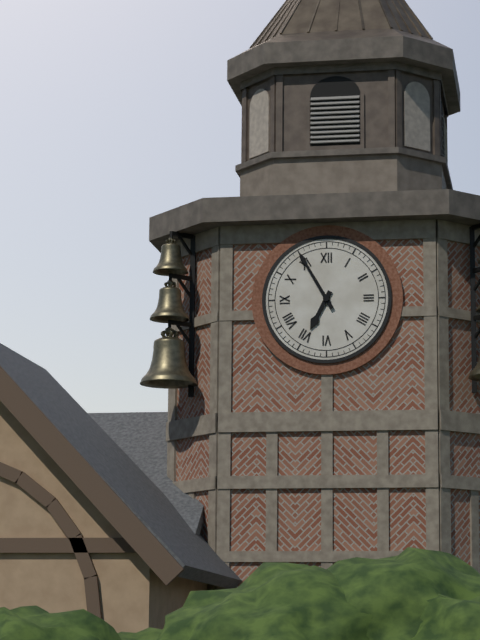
6:55
